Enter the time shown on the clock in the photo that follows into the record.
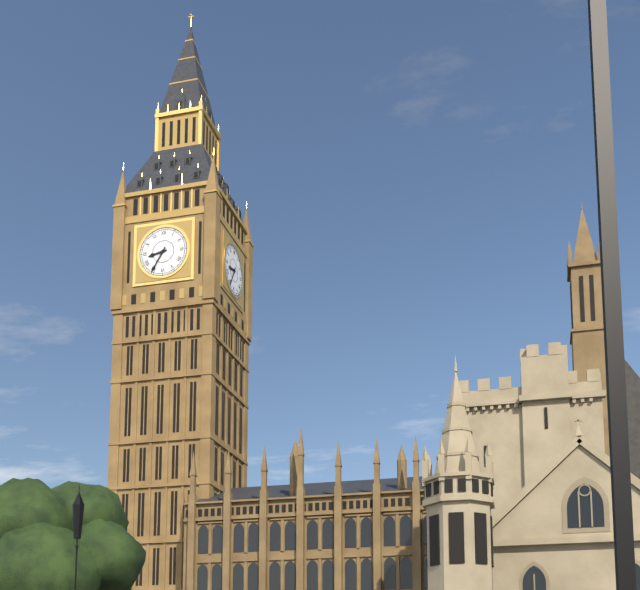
8:35
